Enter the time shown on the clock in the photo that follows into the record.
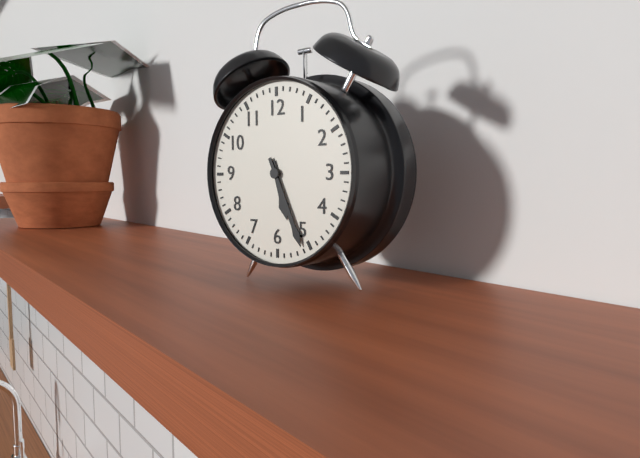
5:26
